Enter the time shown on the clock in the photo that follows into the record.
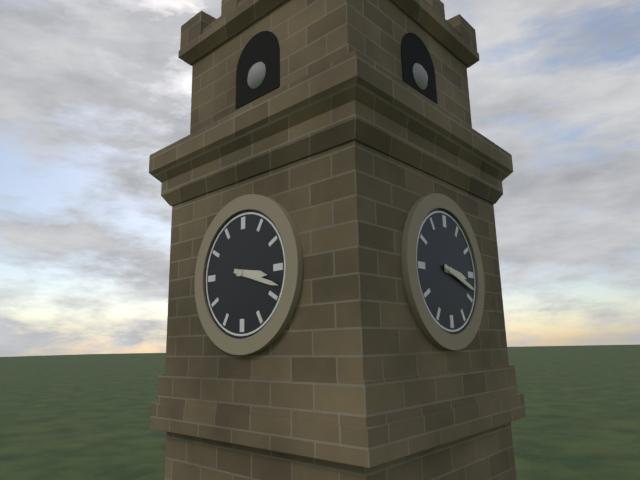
3:18
